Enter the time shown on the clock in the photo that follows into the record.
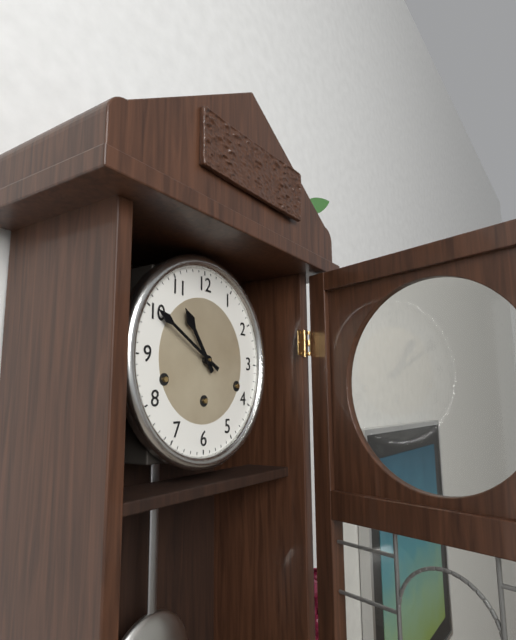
10:50
